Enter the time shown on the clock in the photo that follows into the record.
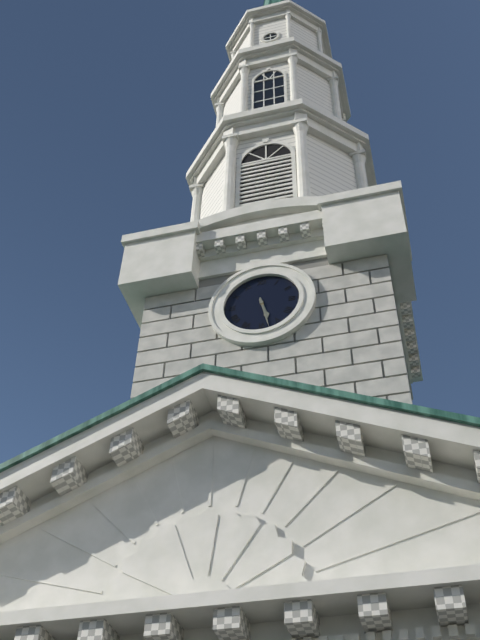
5:28
